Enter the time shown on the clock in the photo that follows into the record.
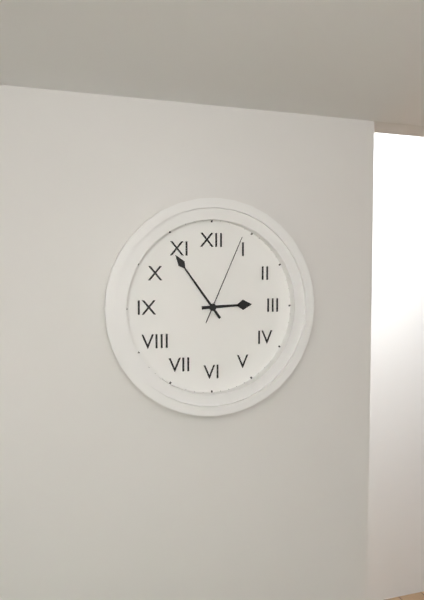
2:54:04
